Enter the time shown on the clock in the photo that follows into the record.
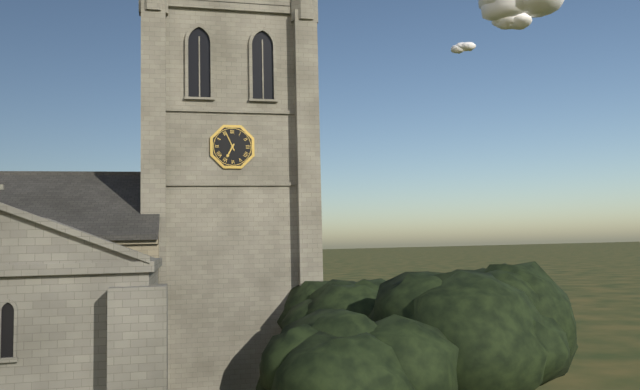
6:56
